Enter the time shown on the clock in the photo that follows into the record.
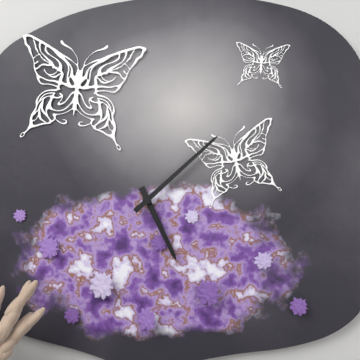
5:08
